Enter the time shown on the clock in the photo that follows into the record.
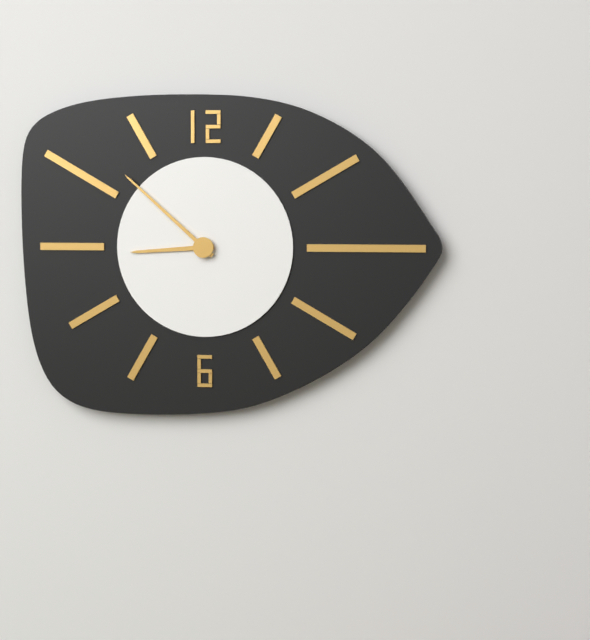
8:52
